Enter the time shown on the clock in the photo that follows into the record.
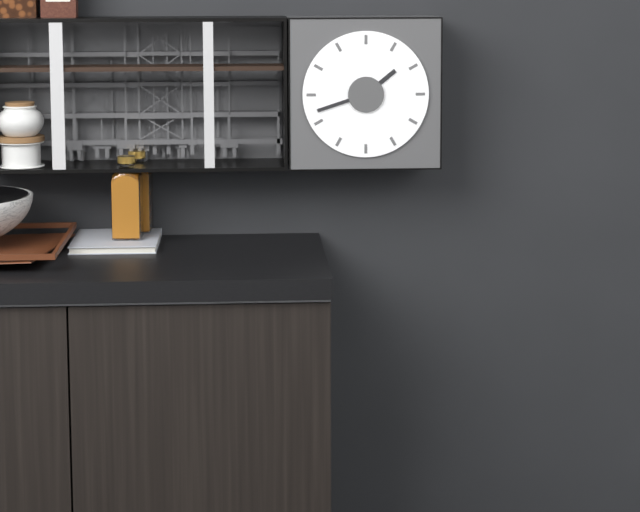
1:42
